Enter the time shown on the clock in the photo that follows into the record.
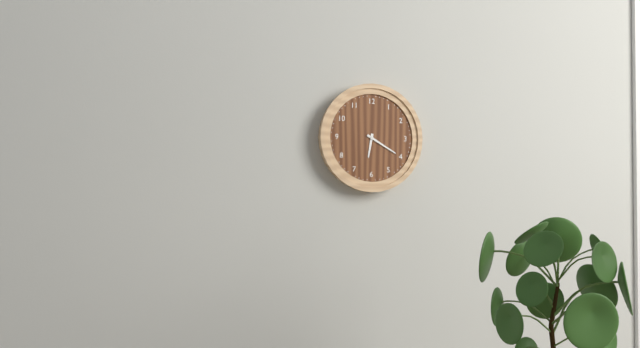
6:20
